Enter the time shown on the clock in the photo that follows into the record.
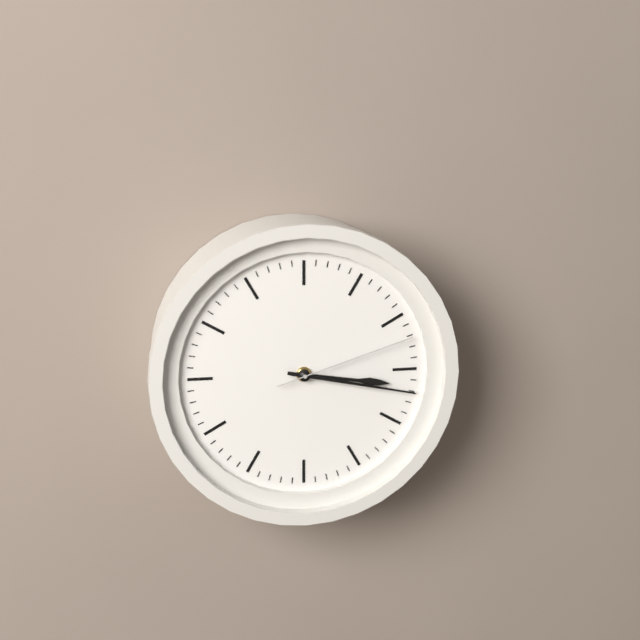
3:17:12
